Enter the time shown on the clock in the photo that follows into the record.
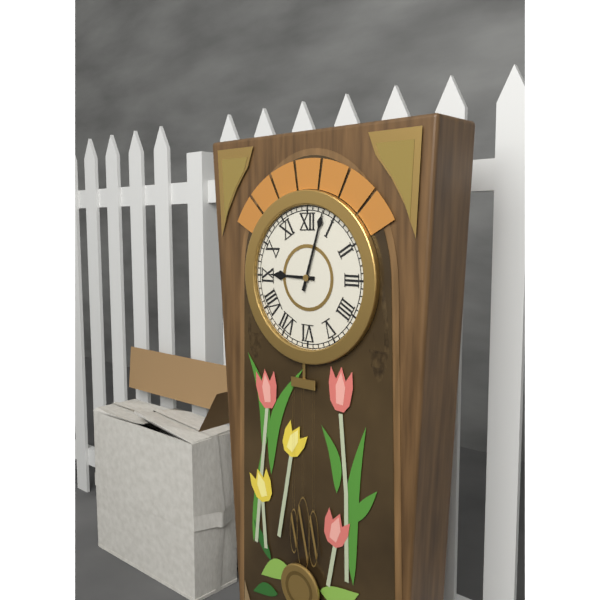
9:03
